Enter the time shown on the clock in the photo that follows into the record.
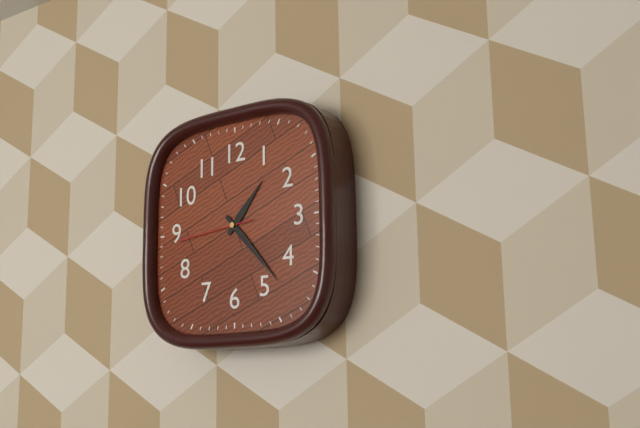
1:23:44
